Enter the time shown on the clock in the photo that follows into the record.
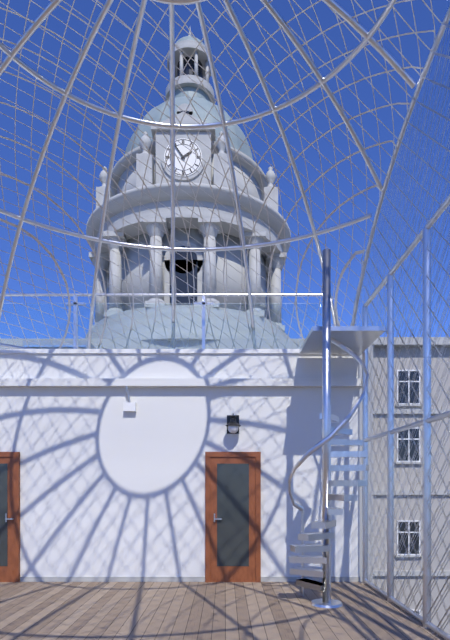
1:54
